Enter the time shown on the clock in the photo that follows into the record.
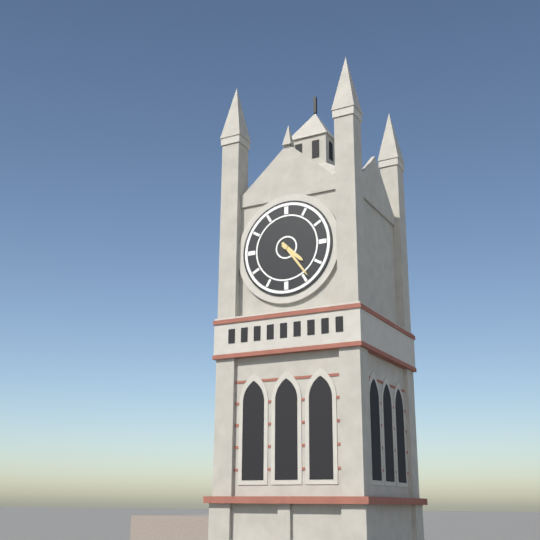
4:24
